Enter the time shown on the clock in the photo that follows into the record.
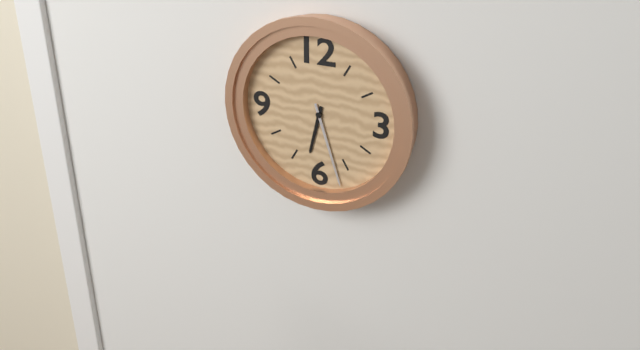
6:27
